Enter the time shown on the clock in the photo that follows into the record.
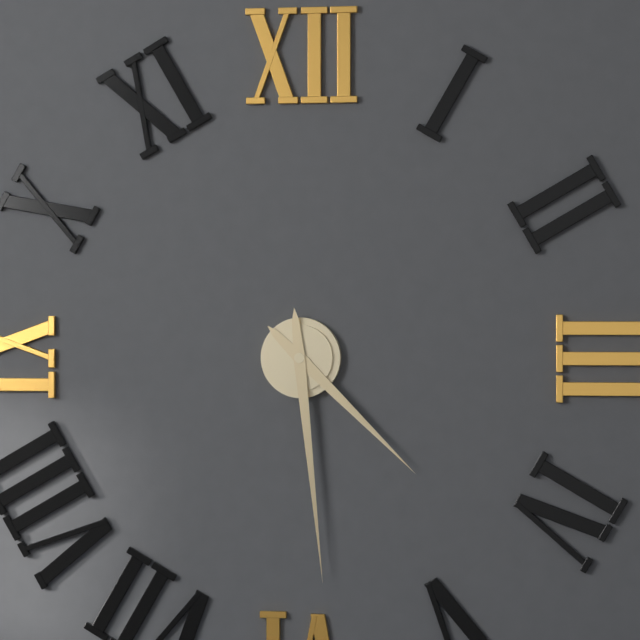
4:29
